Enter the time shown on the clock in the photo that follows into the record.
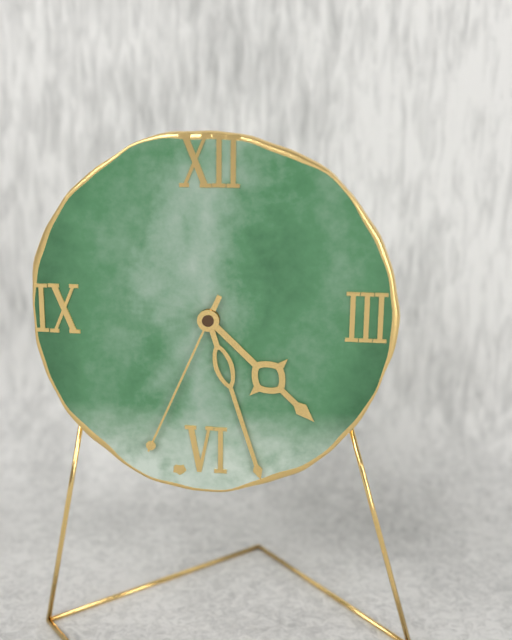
4:27:34
